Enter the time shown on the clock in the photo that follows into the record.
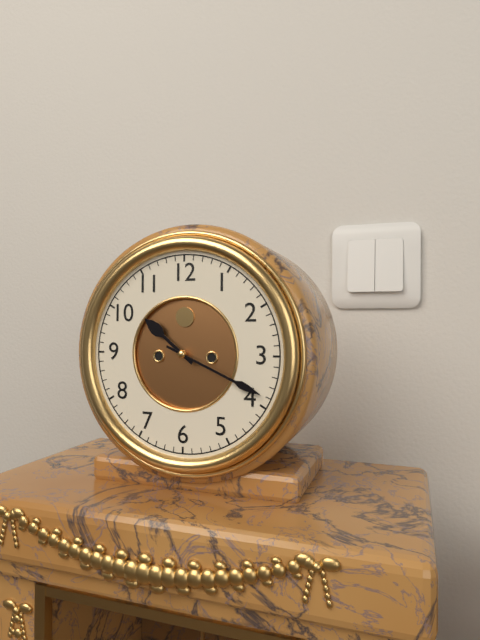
10:19
